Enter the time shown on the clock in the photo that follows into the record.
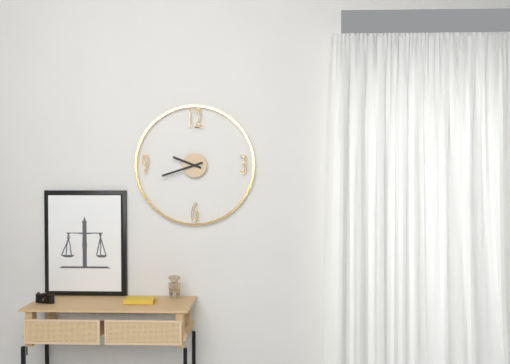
9:42
